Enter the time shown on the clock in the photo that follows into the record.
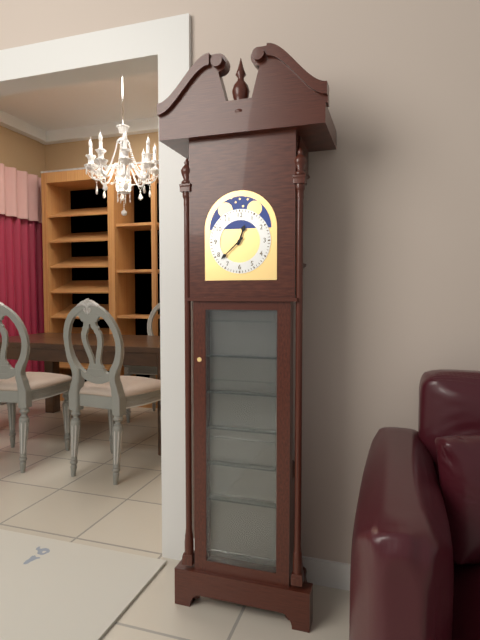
12:38
